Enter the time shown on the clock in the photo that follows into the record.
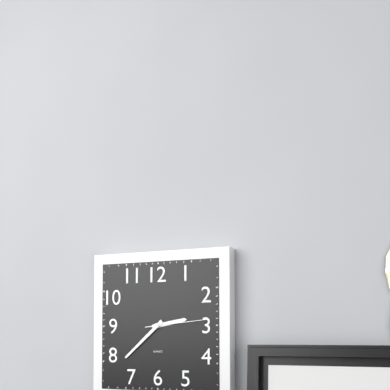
2:38:14
